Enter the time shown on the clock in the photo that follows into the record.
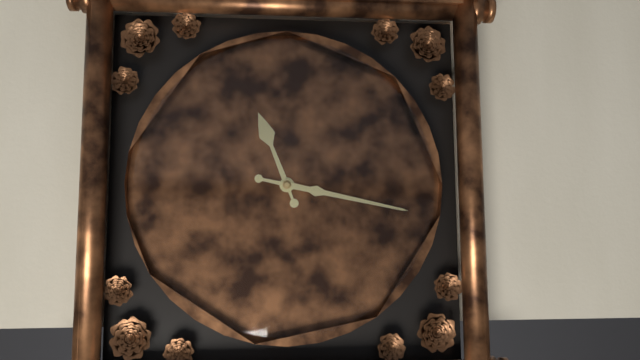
11:17
